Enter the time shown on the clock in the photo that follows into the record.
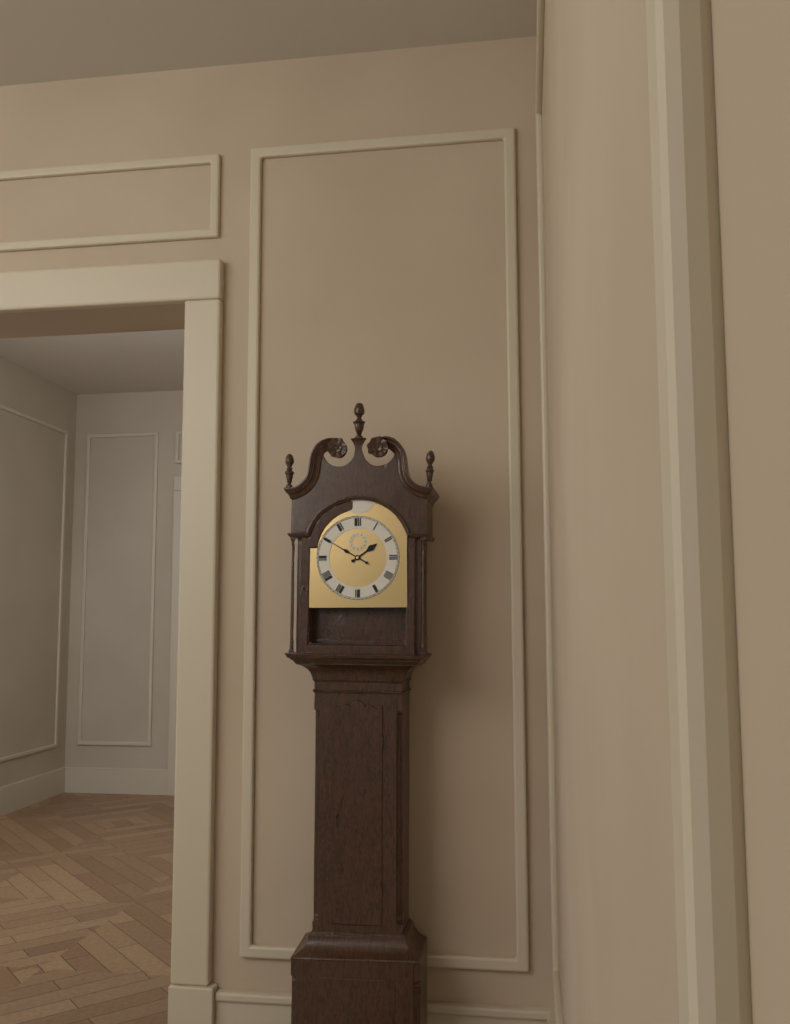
1:50
